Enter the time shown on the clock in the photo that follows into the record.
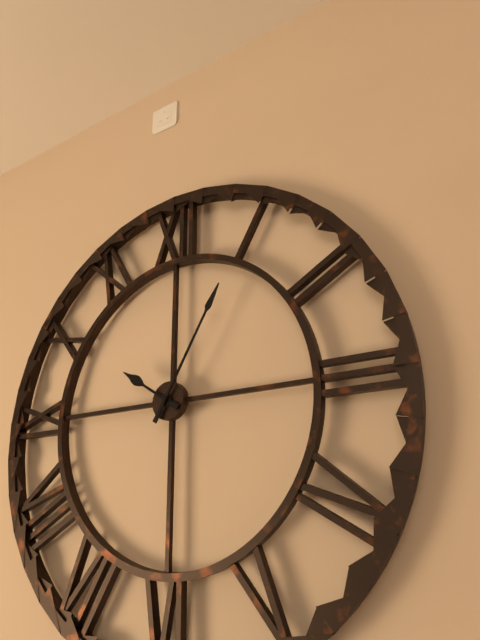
10:05
